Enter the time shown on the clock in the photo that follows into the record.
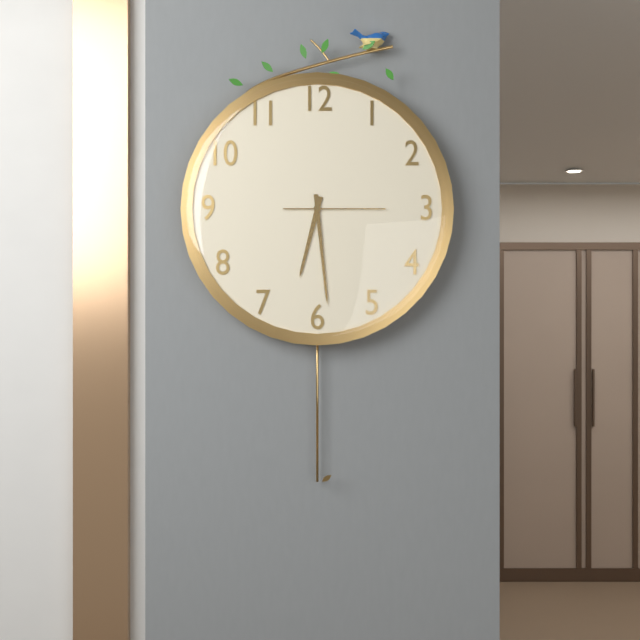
6:29:15
